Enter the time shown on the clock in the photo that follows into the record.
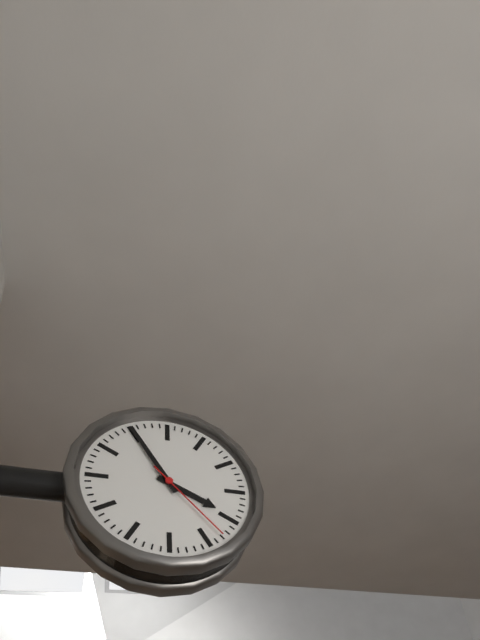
3:55:23
